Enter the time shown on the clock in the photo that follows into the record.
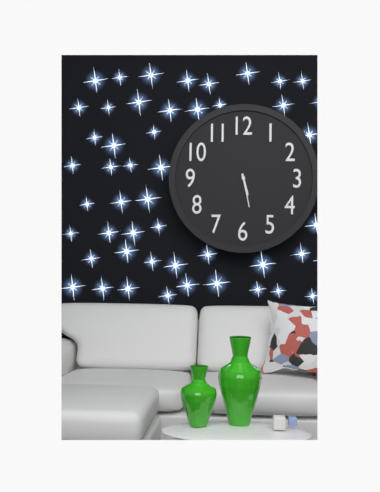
5:28
